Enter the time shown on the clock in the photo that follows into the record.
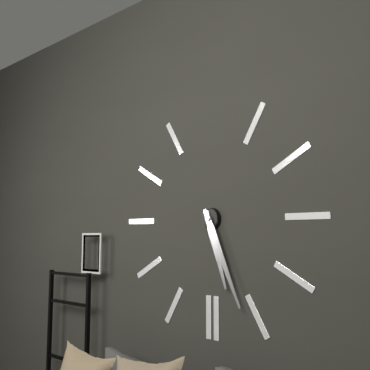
5:26
